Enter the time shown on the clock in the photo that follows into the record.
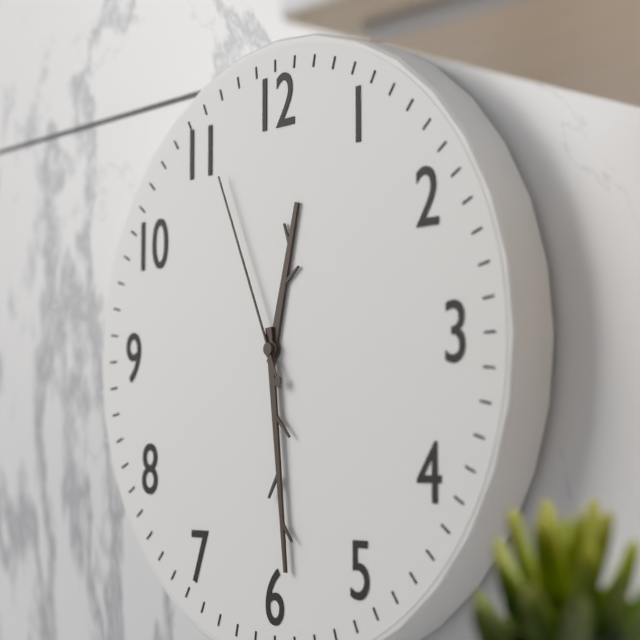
12:29:56
